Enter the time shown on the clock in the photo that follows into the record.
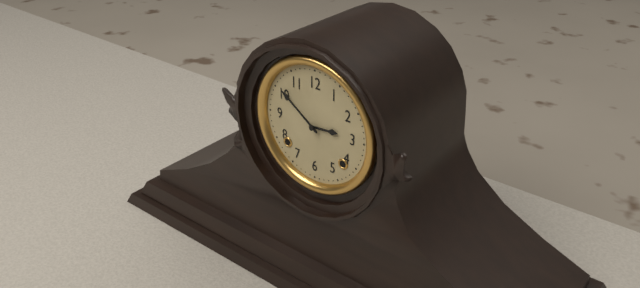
2:51
